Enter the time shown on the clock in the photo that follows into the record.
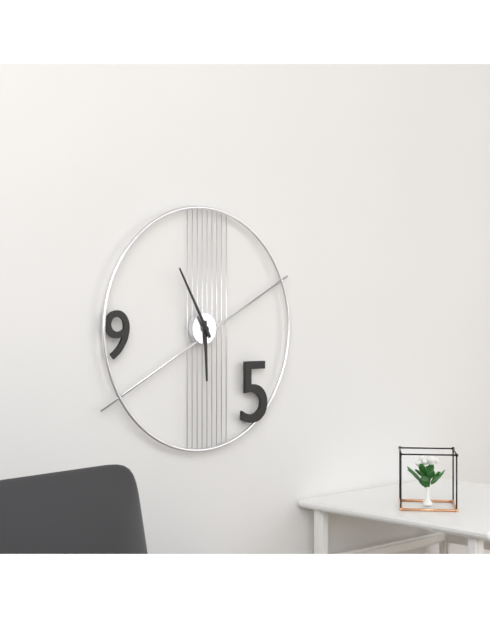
5:55
